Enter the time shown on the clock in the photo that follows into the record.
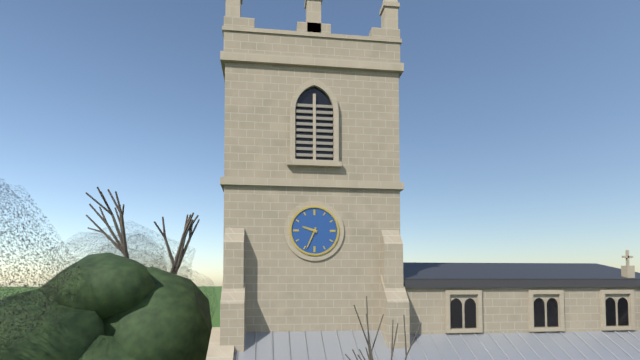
9:34
